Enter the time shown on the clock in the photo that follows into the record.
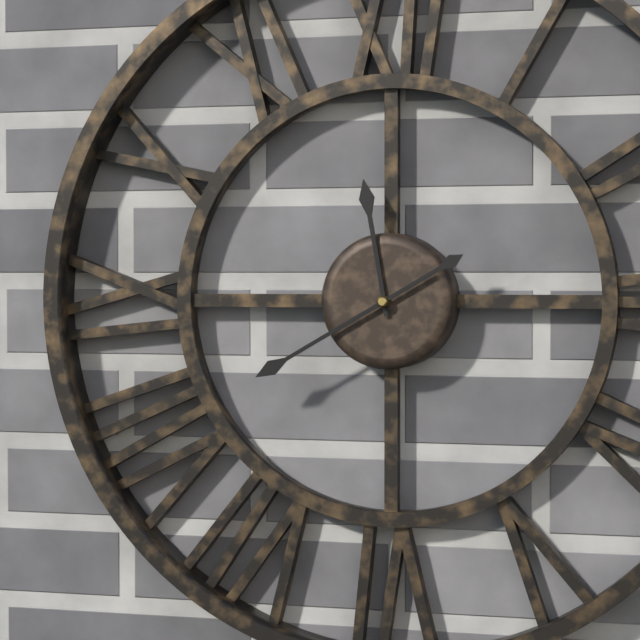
11:40
